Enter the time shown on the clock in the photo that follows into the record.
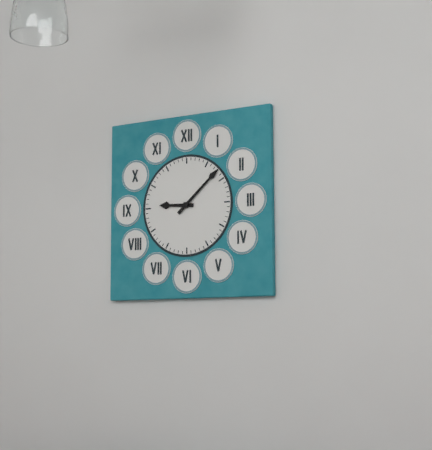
9:08
